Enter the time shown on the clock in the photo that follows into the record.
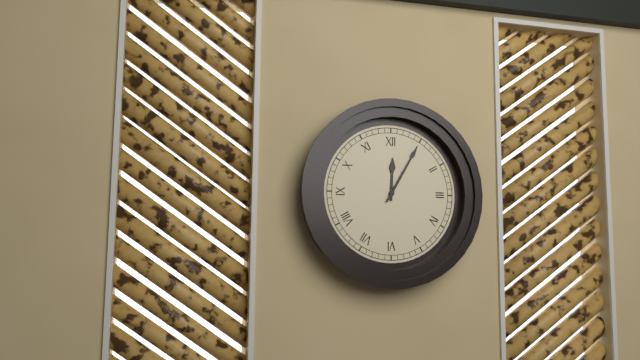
12:05
